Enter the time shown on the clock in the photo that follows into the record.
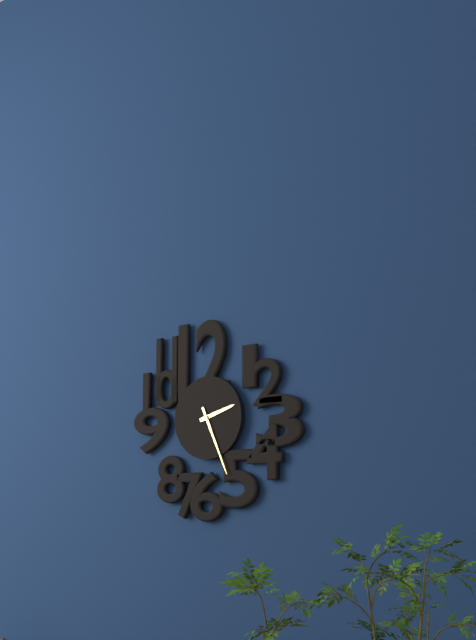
2:26
